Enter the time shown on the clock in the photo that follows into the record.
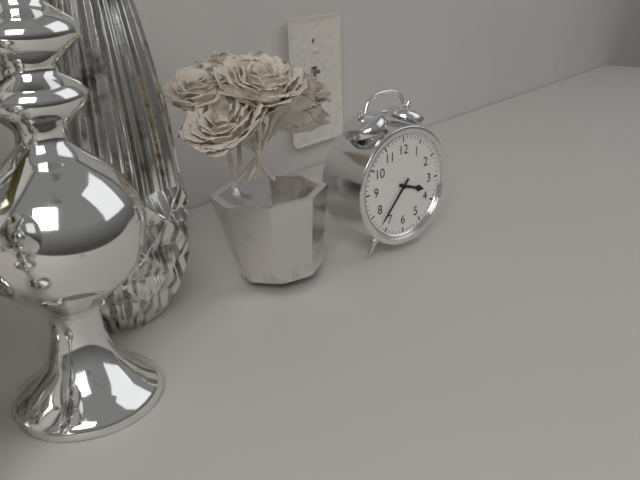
3:37
